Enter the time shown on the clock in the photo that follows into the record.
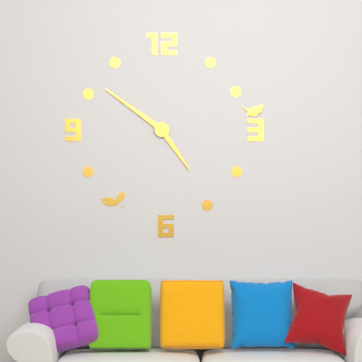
4:51
